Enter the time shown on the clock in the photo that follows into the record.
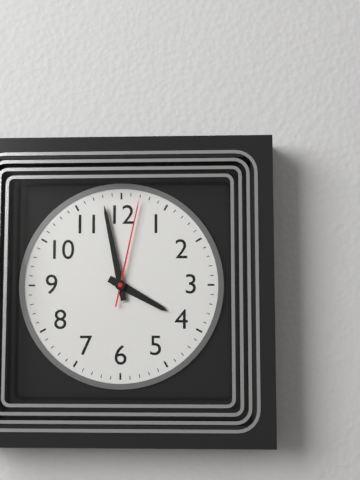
3:58:02
